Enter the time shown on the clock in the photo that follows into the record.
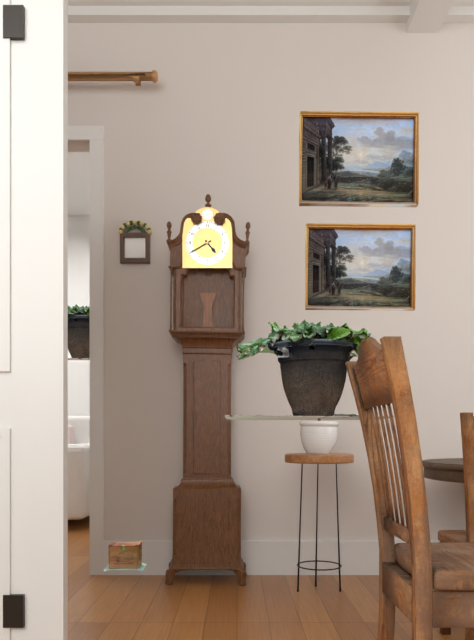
4:40
